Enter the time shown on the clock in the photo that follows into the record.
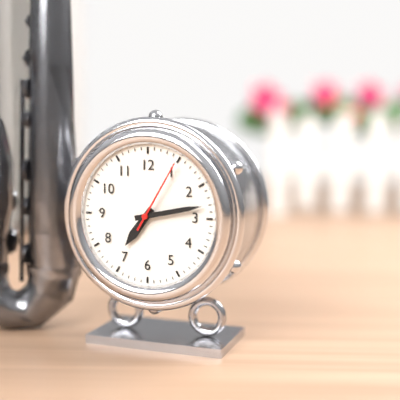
7:13:05
